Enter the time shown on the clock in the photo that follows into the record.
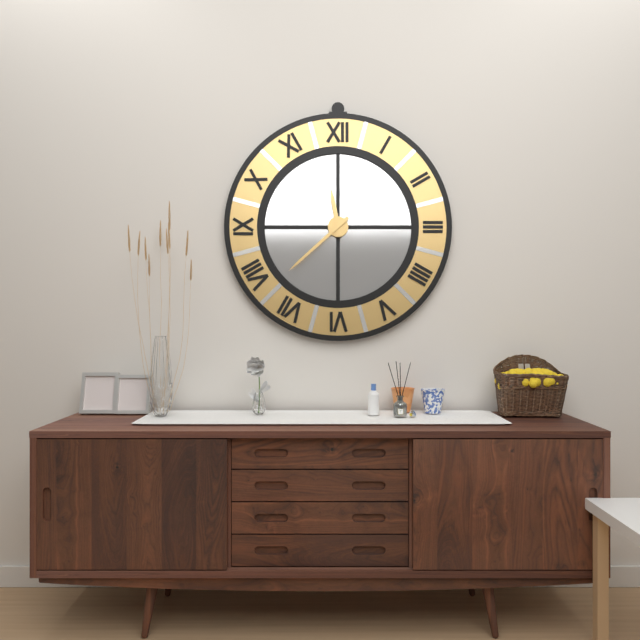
11:38
